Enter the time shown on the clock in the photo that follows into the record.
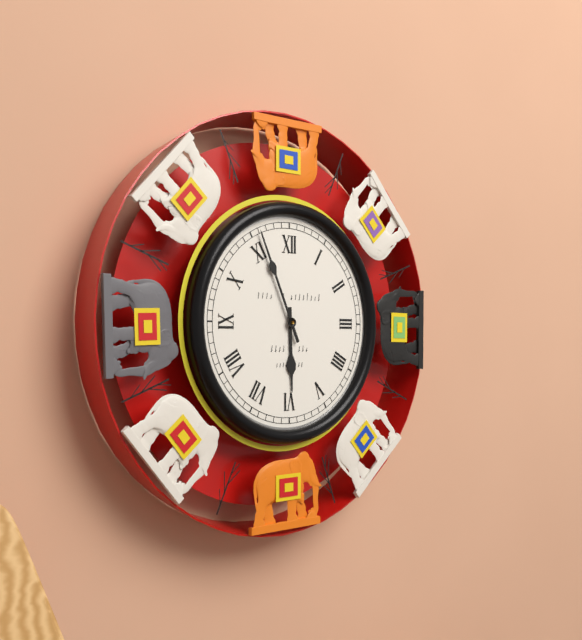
5:56
